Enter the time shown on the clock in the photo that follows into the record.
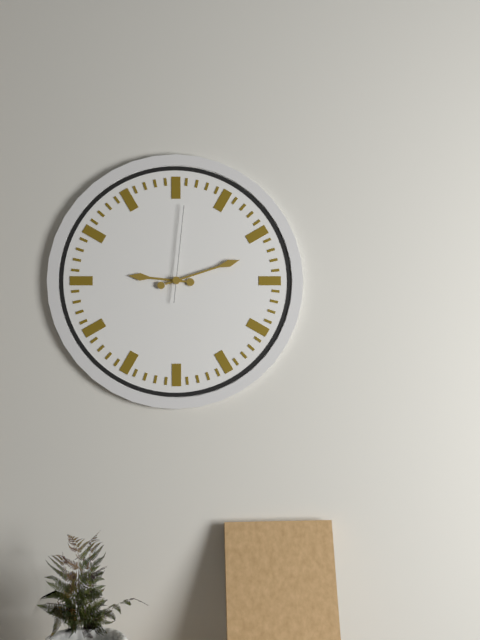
9:12:01
